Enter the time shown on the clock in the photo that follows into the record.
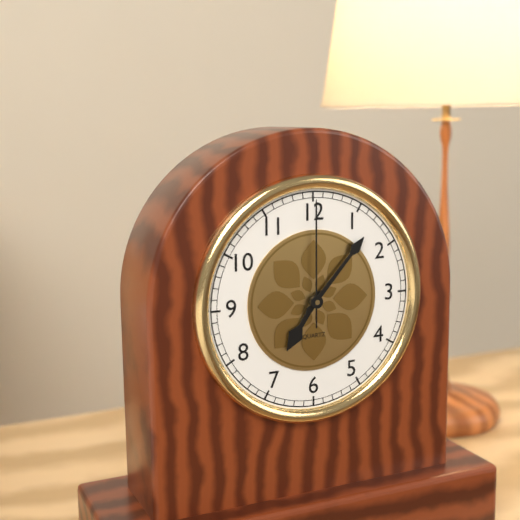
7:07:00
